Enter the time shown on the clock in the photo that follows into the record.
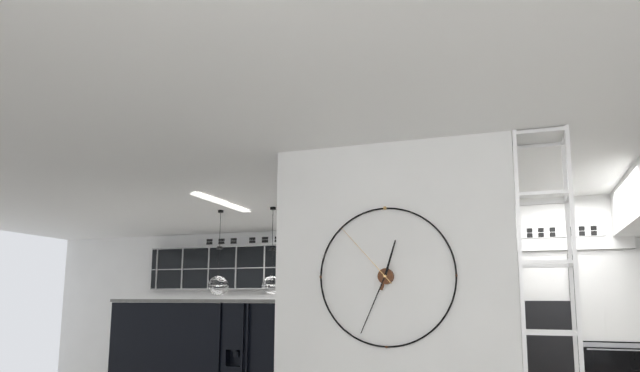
12:34:53
